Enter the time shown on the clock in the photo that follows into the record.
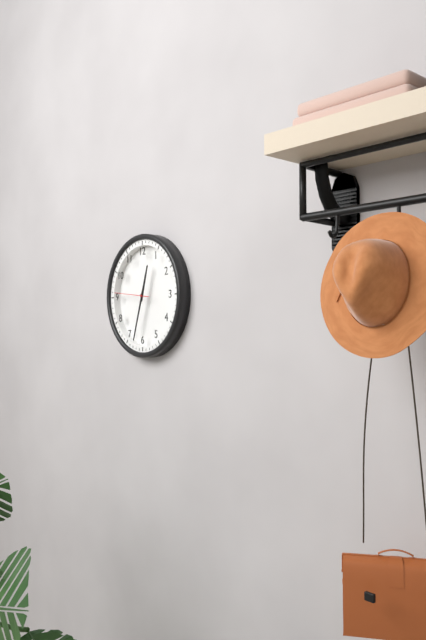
12:33
